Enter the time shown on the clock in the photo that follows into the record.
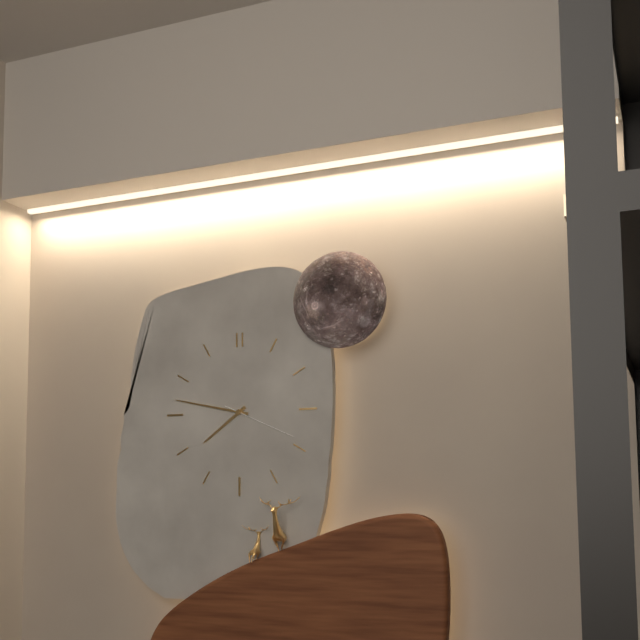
7:47:19
